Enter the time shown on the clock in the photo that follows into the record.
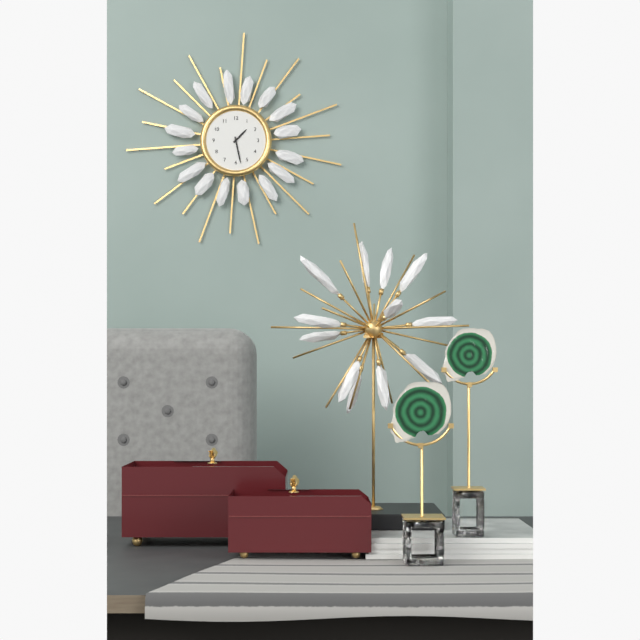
1:28
